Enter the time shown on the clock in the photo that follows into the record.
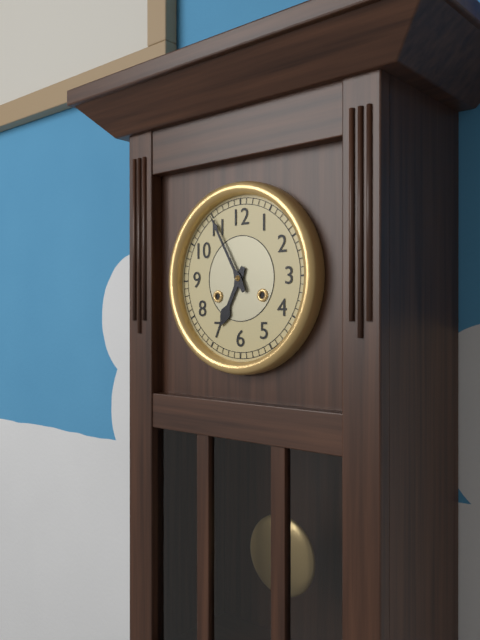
6:55
